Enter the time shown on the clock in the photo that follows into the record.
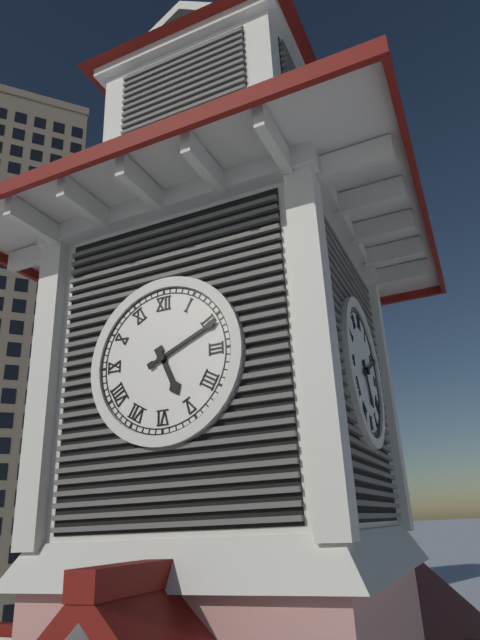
5:11
